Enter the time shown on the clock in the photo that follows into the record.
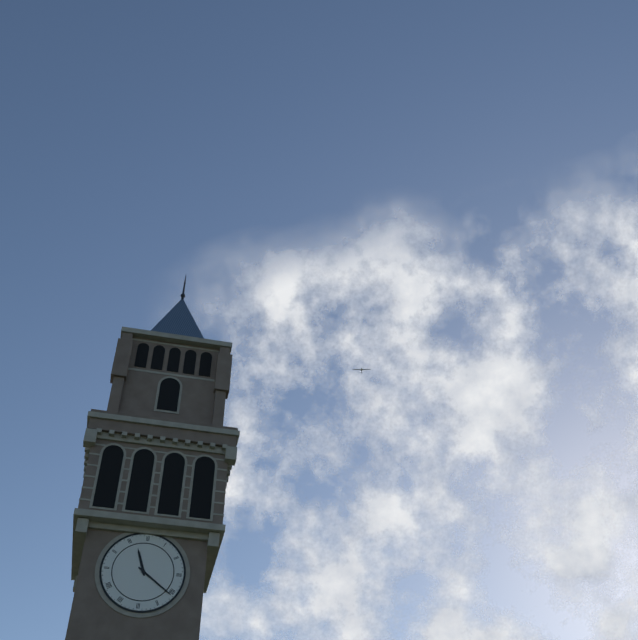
11:21
